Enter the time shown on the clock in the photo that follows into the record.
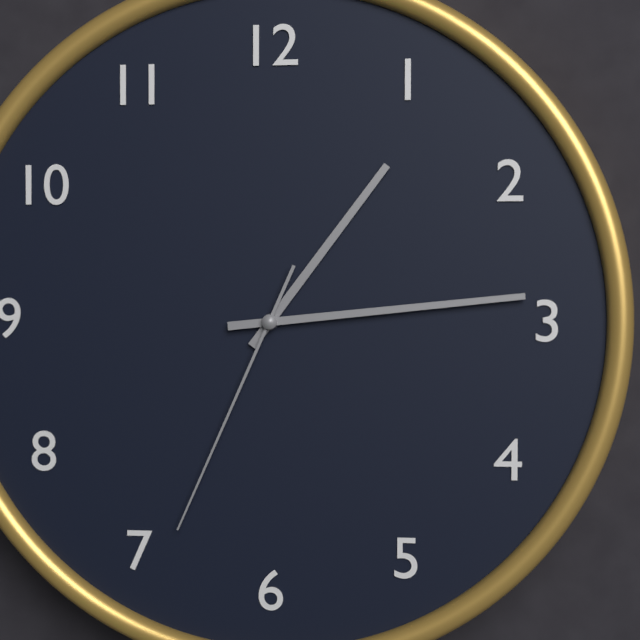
1:14:34
